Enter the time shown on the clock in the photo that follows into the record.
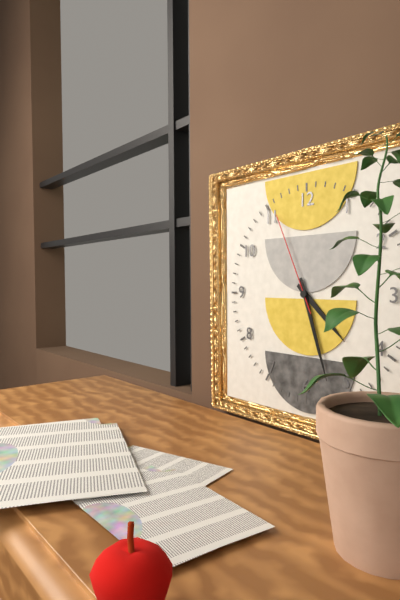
4:27:56
